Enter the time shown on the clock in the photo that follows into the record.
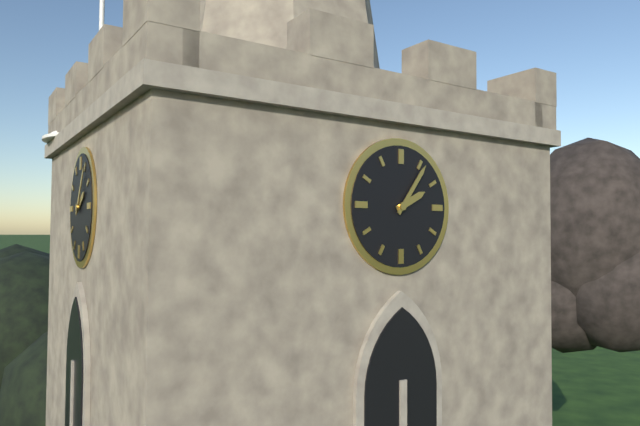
2:06
